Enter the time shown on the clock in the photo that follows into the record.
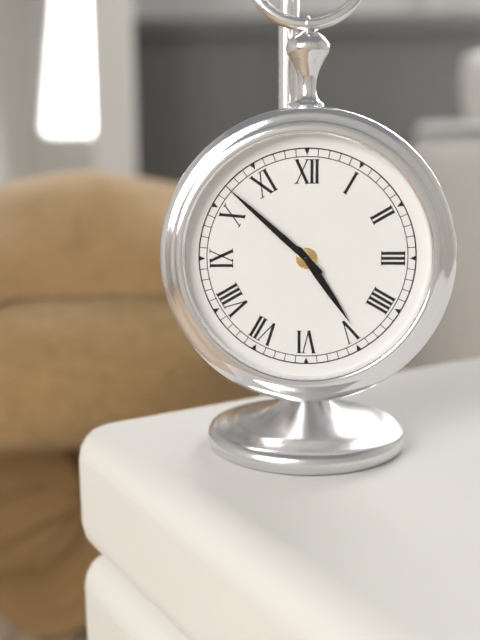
4:52
